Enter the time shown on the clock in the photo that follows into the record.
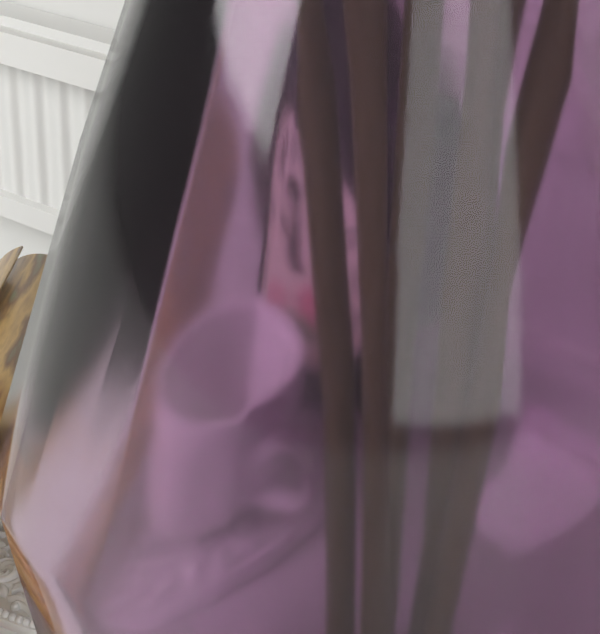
11:53
